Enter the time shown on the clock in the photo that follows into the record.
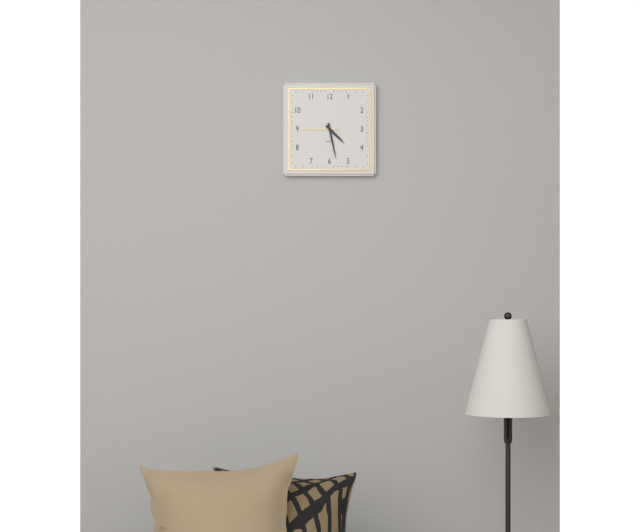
4:28
